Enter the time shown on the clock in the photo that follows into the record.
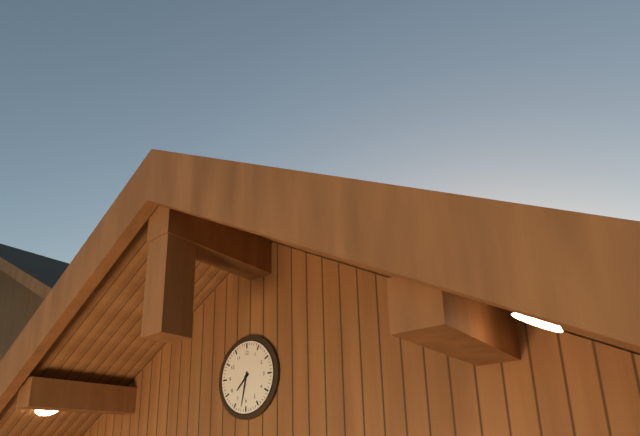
7:32
